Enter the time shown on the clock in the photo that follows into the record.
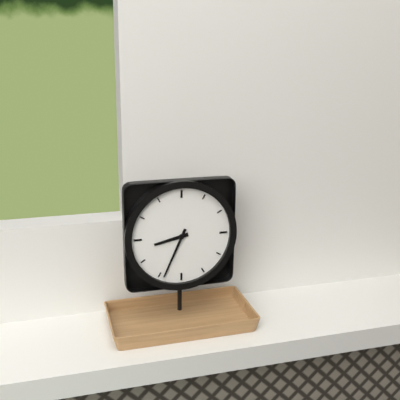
8:34
